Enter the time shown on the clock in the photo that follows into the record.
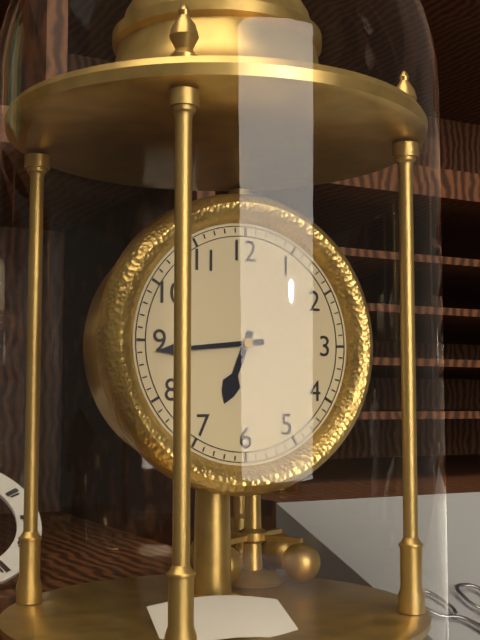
6:44
